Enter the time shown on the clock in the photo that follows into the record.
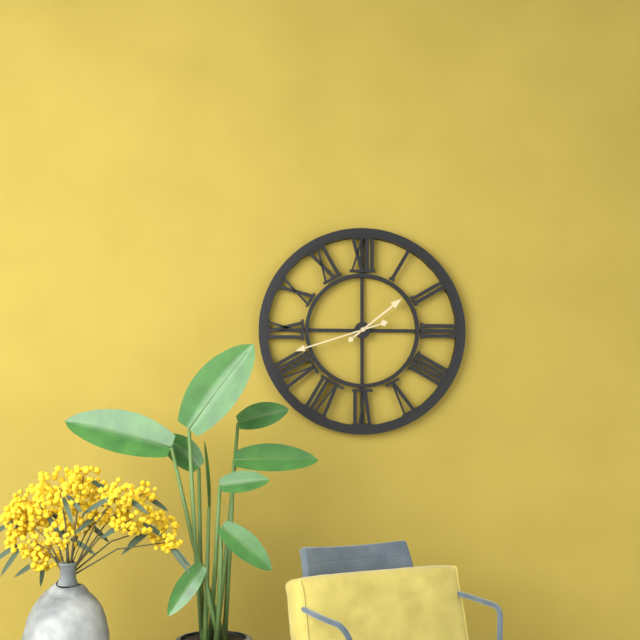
1:42
